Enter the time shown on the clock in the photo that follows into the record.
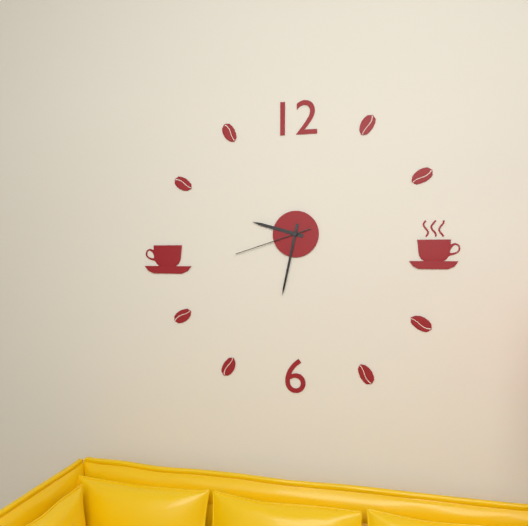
9:32:42
